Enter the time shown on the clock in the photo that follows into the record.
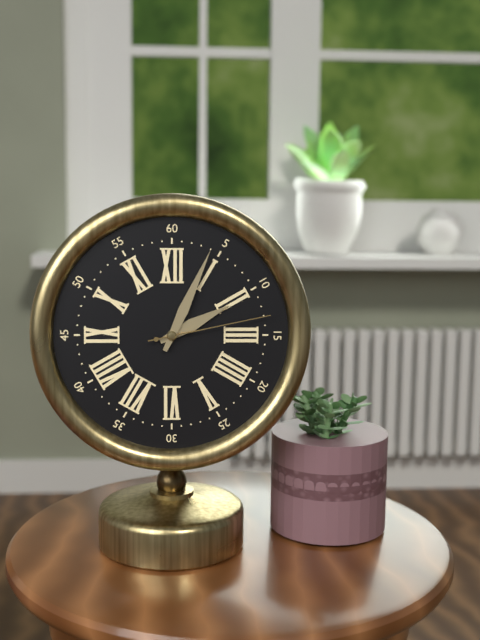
2:04:13
